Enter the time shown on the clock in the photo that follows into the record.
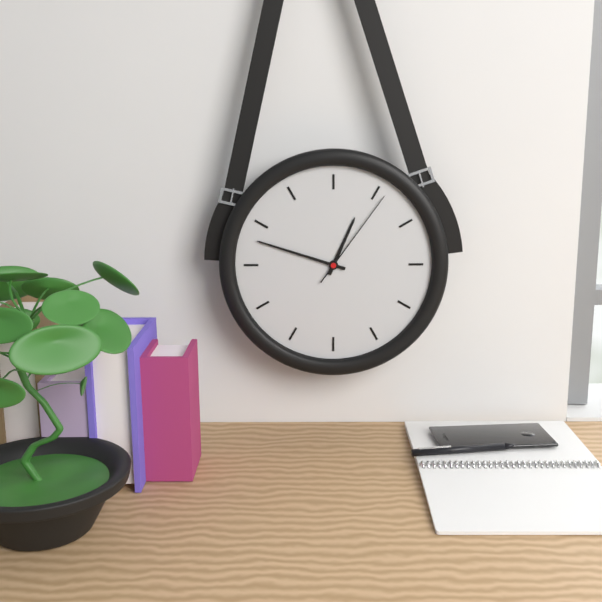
12:48:06
